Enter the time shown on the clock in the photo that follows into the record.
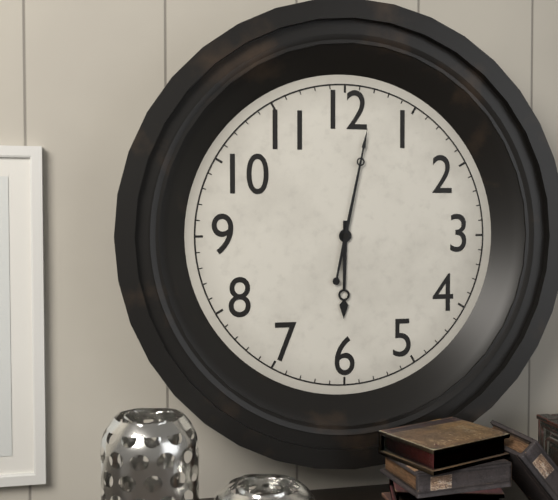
6:02
